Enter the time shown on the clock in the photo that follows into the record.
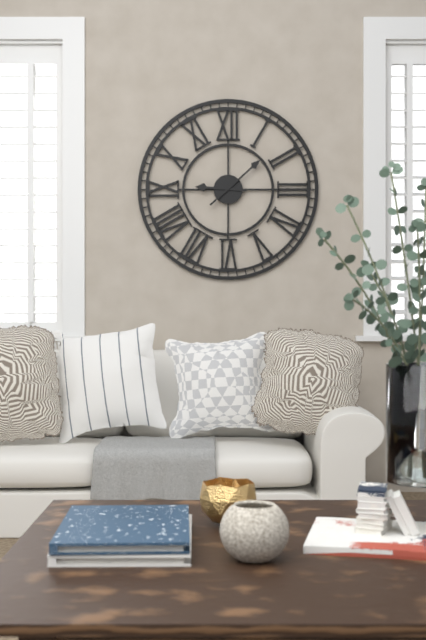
9:08
